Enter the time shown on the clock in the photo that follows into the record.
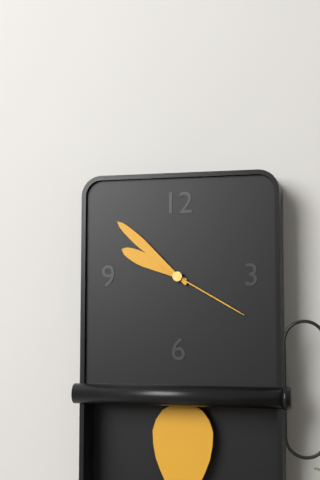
9:52:20
